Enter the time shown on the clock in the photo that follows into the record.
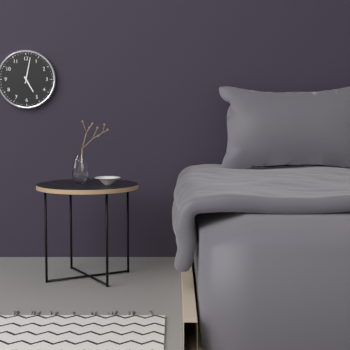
5:02
